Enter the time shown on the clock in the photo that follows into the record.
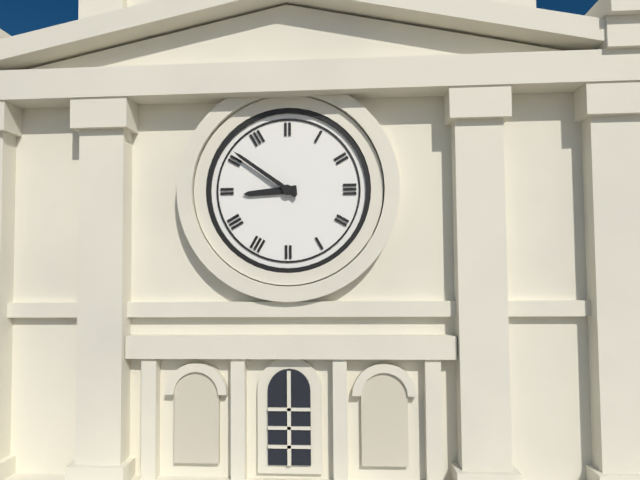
8:51
